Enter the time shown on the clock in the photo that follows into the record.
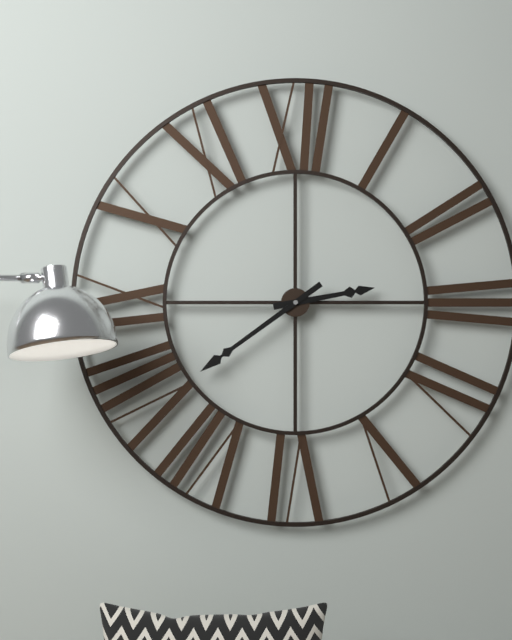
2:39
